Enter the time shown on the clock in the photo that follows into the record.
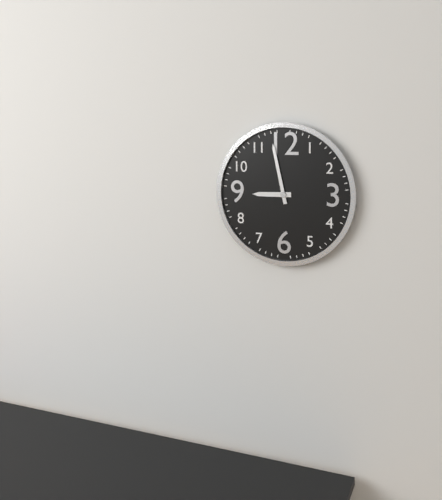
8:58
